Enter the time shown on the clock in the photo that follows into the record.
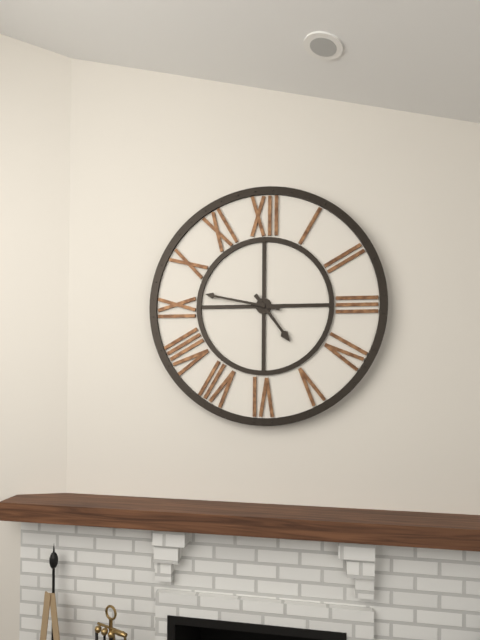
4:47
